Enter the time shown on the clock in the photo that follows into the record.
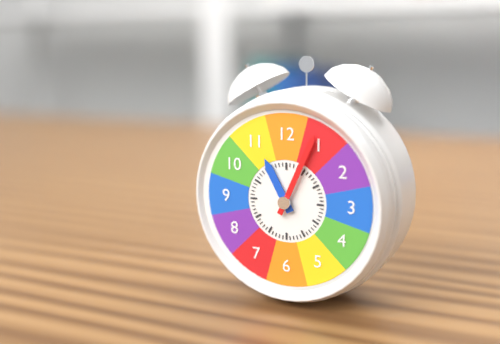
11:04
